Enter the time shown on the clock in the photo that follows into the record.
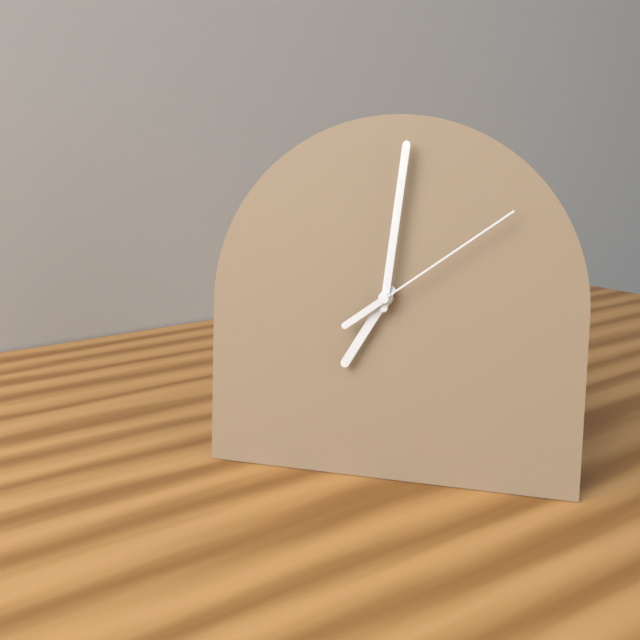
7:01:09
